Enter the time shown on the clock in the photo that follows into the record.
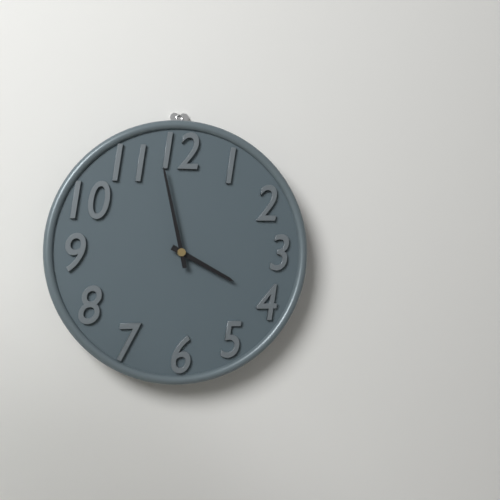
3:58
